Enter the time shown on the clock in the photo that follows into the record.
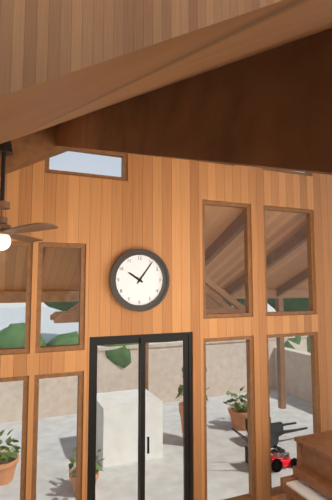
10:06
